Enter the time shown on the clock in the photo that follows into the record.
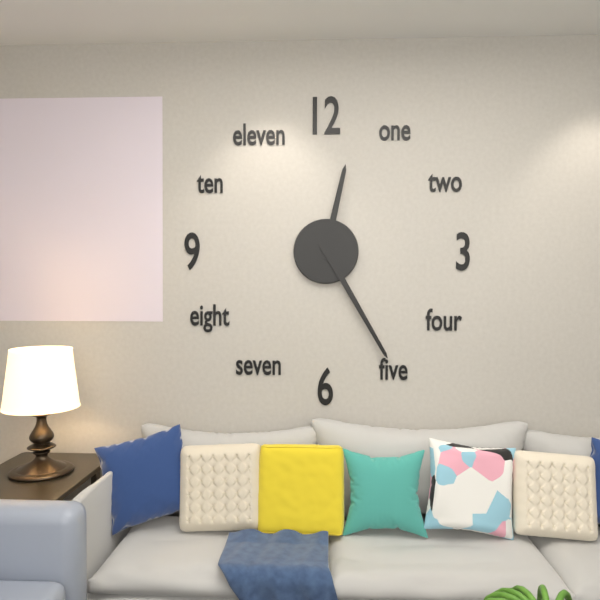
12:25
